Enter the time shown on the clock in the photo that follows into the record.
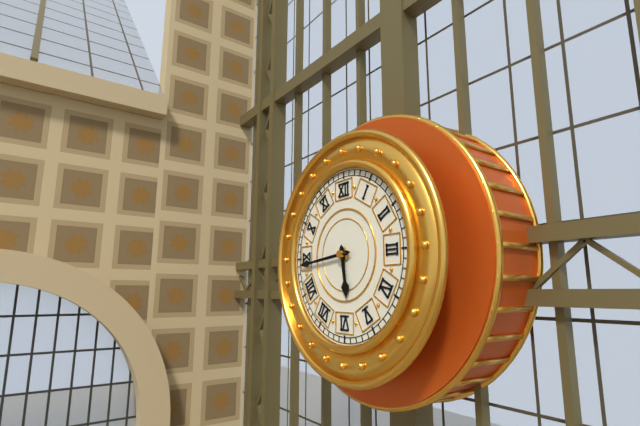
5:44
